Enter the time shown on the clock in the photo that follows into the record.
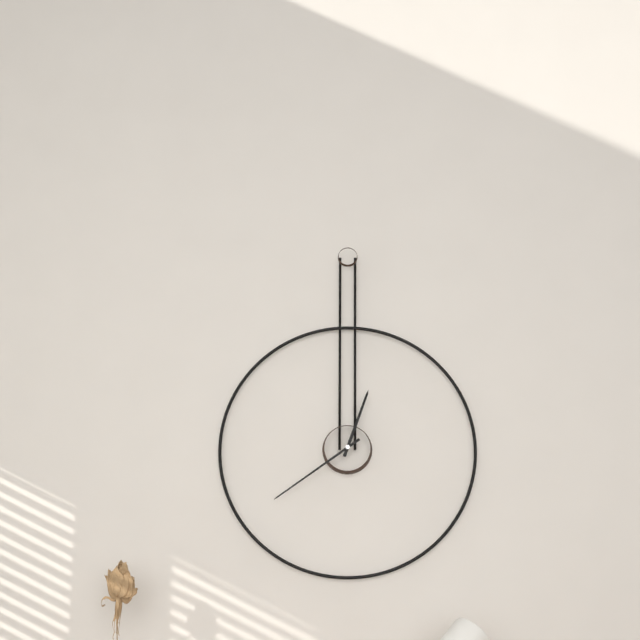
12:39
